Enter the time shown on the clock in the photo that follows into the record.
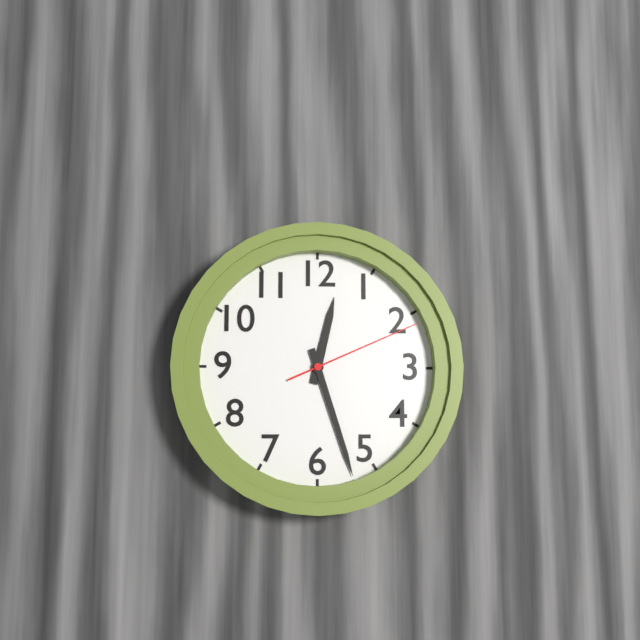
12:27:11
